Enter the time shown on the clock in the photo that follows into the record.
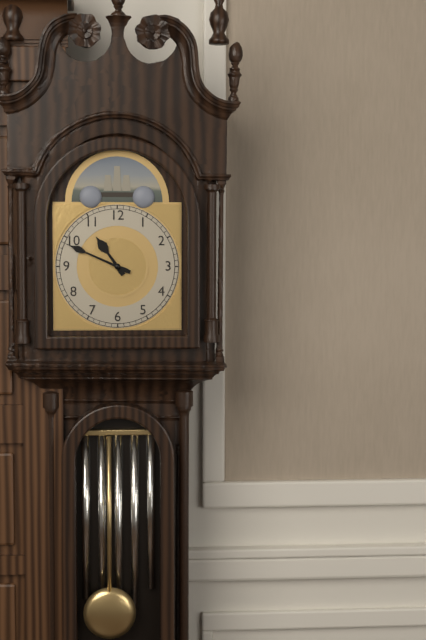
10:49
